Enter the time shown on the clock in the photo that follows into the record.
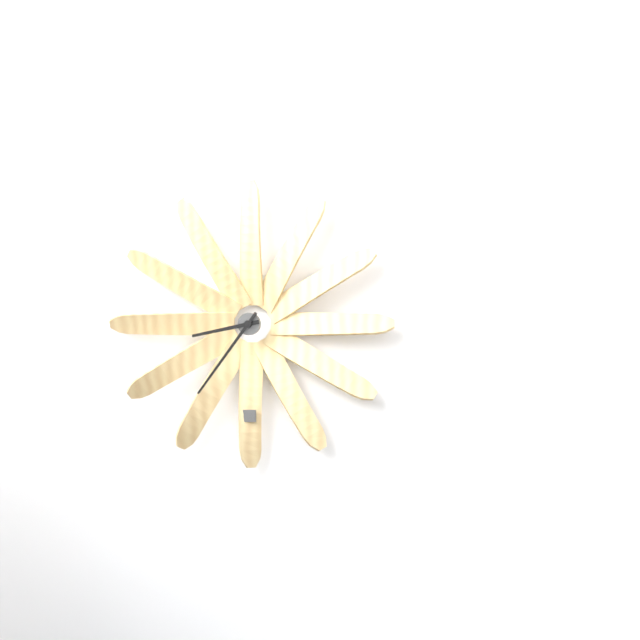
8:36
